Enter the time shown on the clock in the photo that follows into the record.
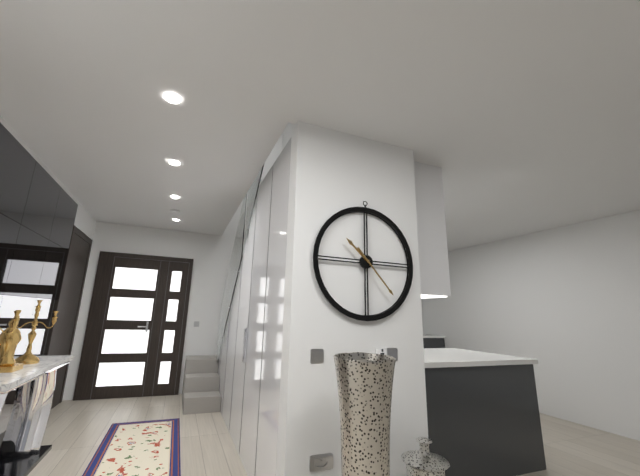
10:23
